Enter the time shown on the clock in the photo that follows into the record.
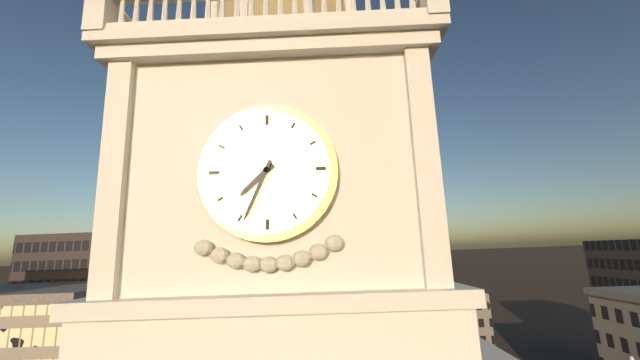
7:34
